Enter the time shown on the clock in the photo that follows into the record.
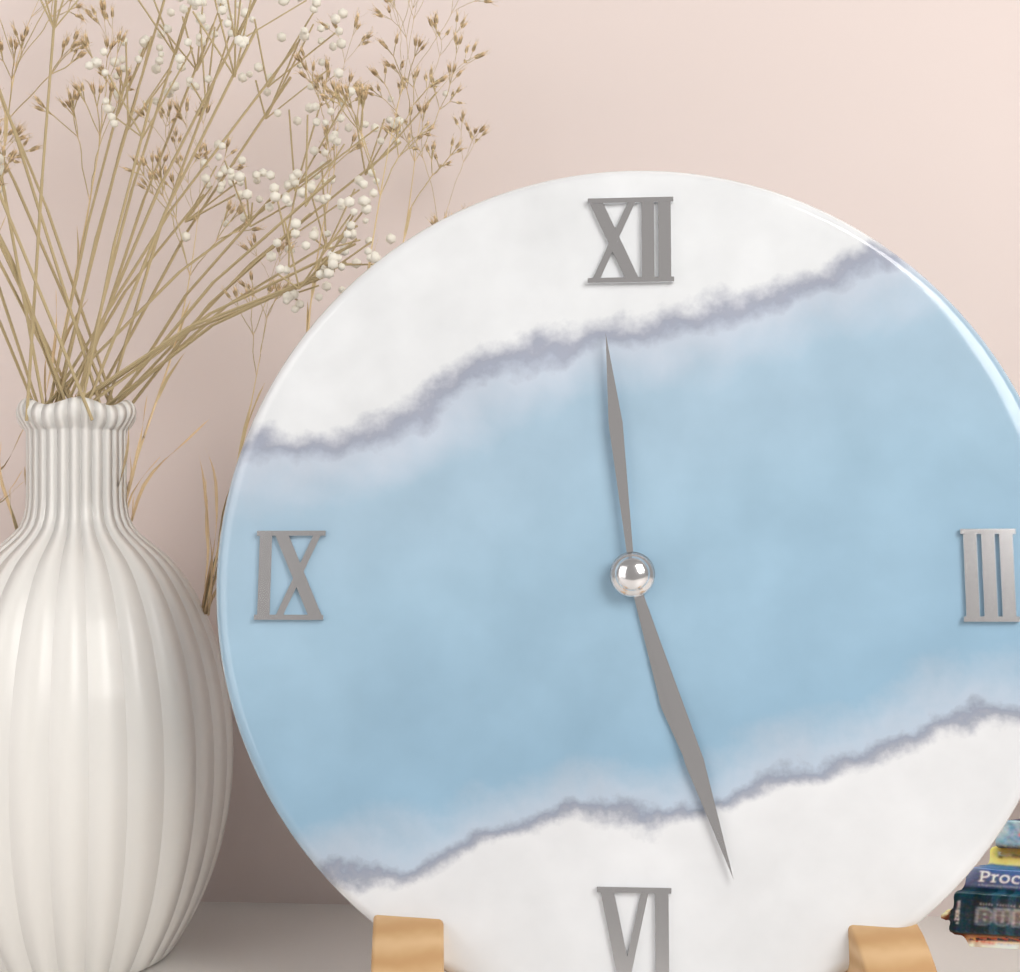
5:27:59
